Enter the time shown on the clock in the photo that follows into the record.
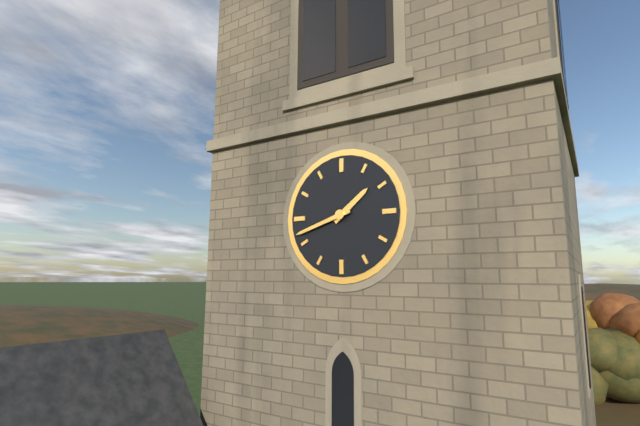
1:42
